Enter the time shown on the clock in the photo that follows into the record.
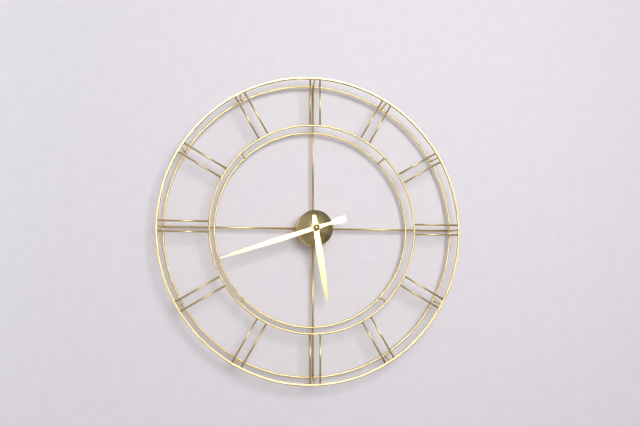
5:42
